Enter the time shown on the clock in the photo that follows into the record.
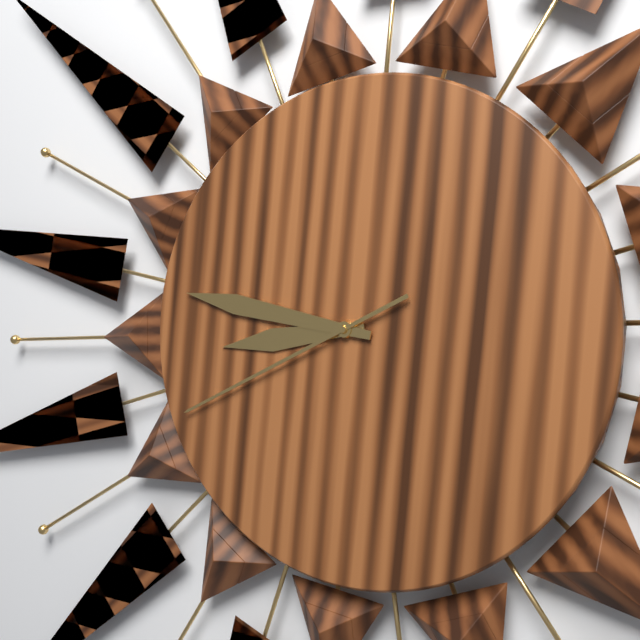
8:47:41
